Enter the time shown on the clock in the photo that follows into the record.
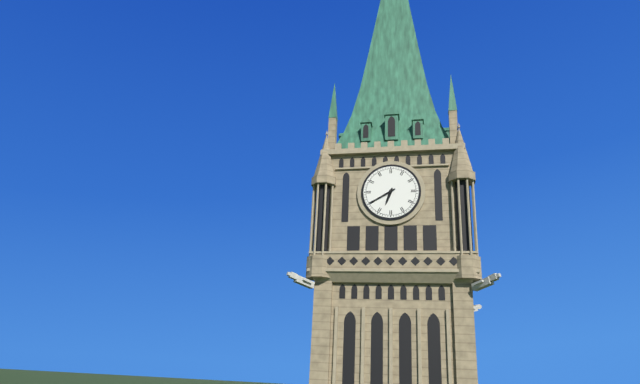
6:40
